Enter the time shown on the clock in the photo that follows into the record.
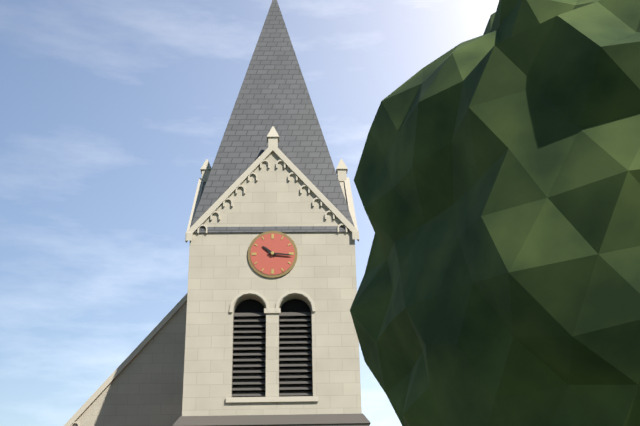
10:16
